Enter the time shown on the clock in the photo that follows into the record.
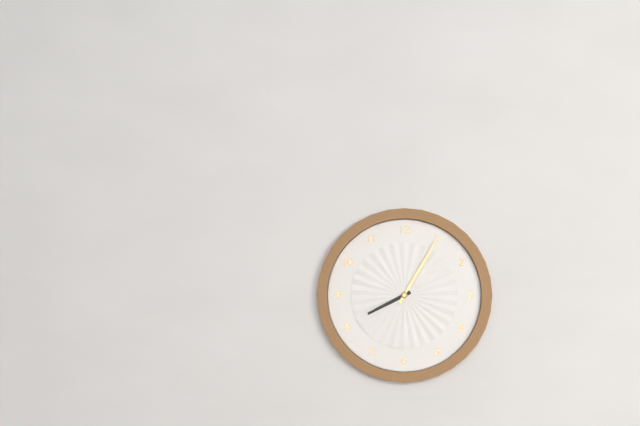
8:05
